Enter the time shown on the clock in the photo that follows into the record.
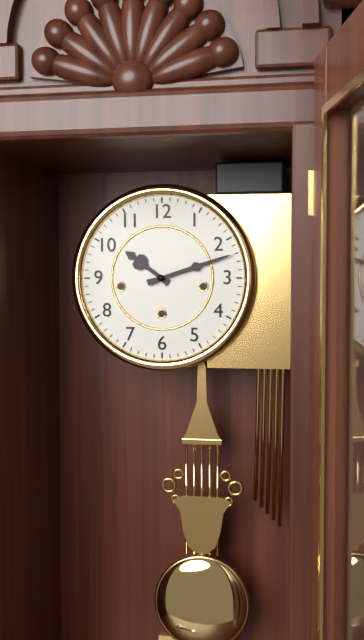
10:12
